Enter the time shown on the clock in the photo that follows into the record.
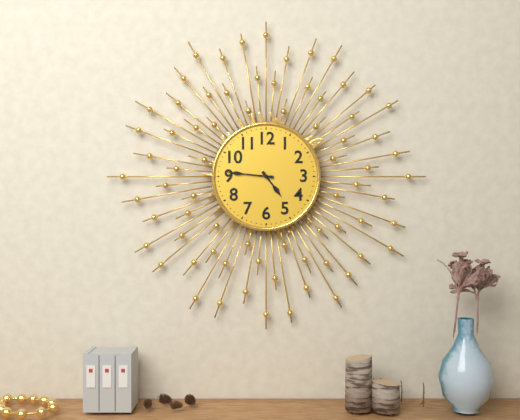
4:46
